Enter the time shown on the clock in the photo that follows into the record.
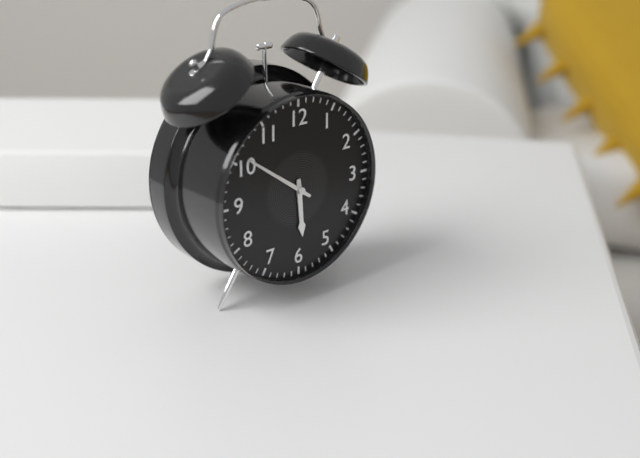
5:51
